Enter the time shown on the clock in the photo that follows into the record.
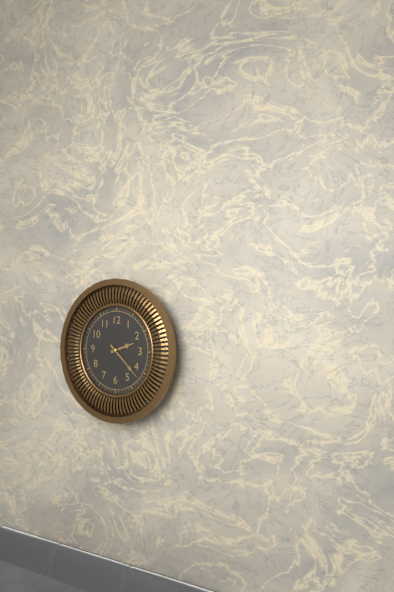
2:22
